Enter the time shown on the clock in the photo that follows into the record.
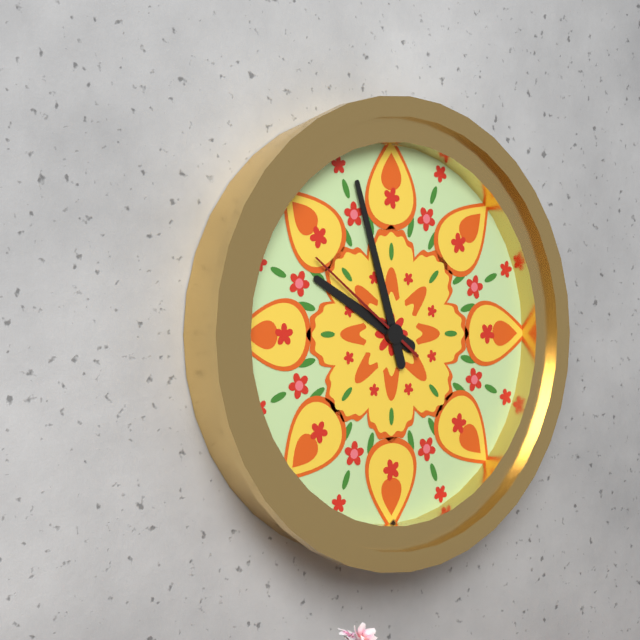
9:57:51
